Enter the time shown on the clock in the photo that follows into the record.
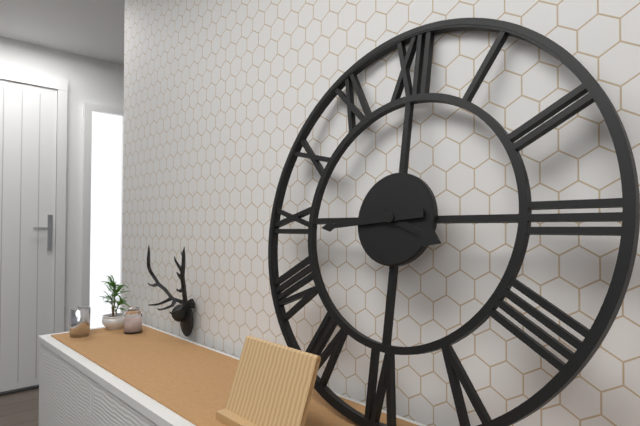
3:44
